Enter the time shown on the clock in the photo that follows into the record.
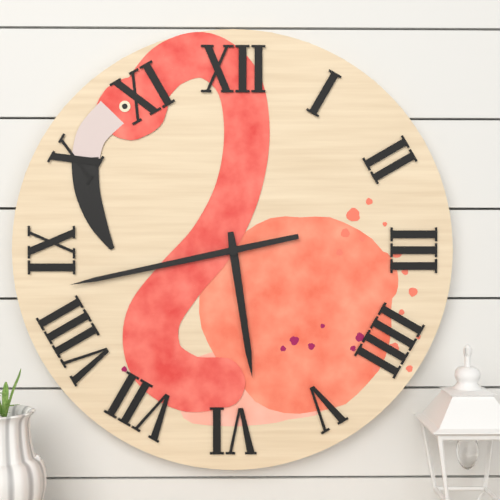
5:43
